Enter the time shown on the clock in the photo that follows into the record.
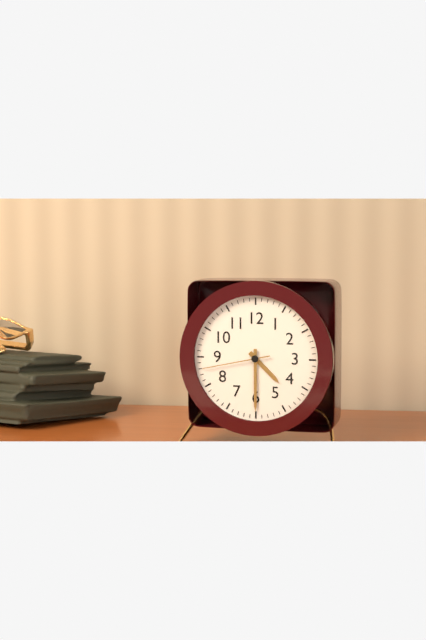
4:30:43
